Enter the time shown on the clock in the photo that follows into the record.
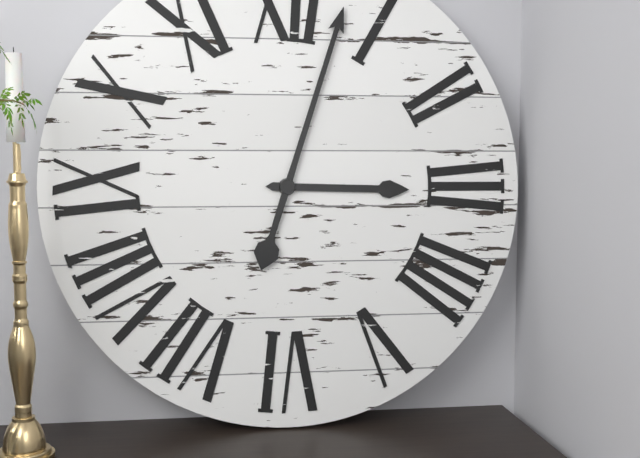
3:03
